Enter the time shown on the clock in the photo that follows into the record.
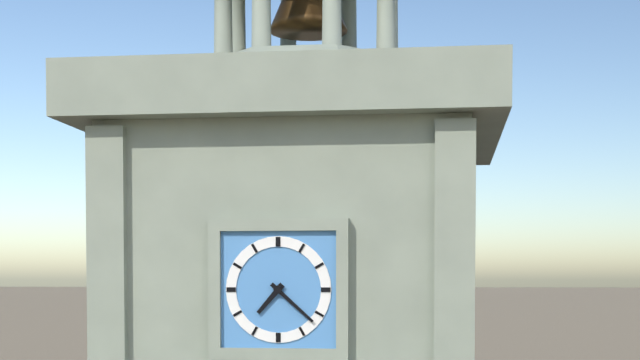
7:22
